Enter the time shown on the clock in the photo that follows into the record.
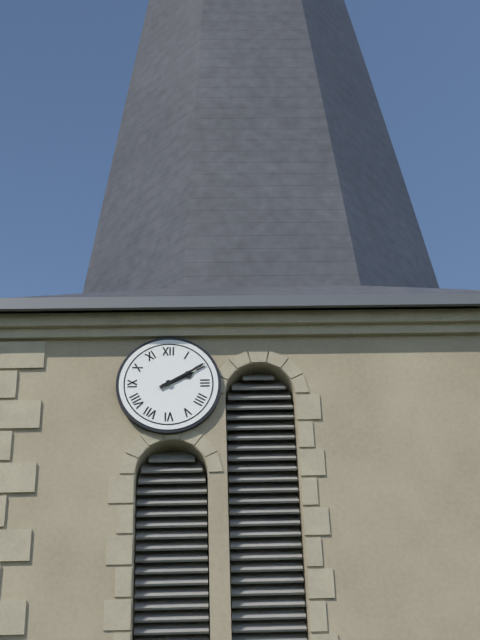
2:10
